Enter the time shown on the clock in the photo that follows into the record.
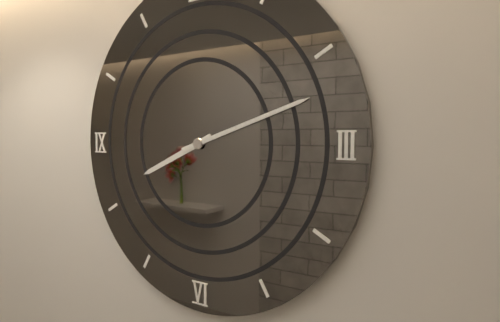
8:12
